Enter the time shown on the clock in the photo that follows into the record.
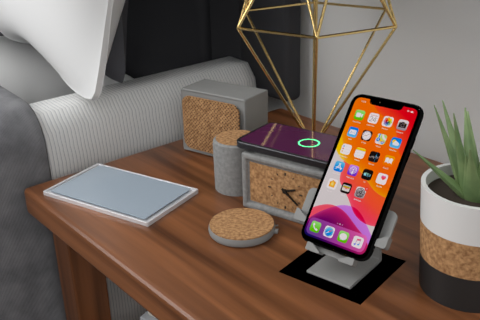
2:21
